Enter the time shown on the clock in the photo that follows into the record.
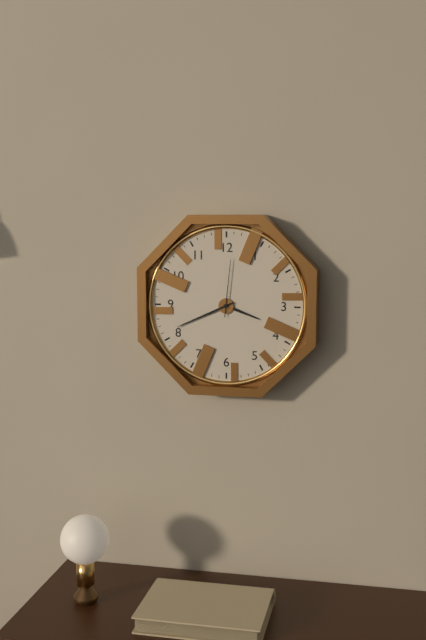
3:41:01
